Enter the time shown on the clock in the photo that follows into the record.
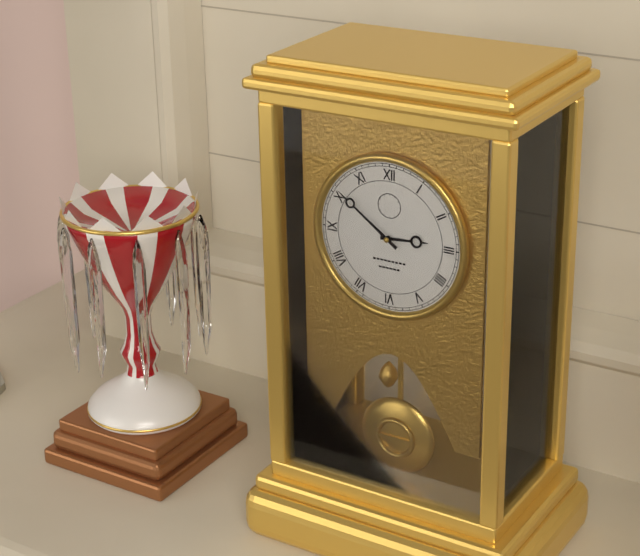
2:51
